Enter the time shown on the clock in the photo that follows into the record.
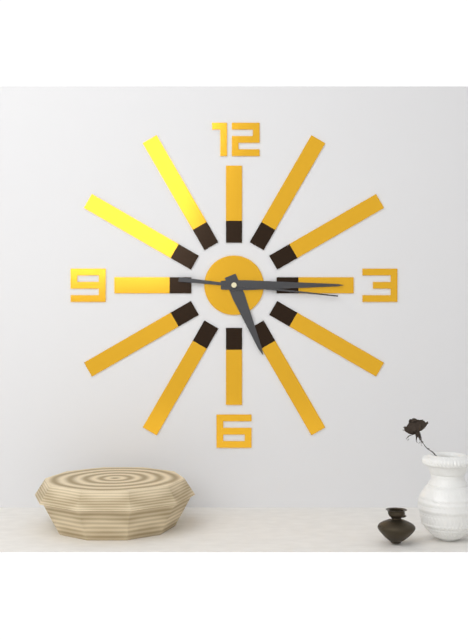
5:15:16
